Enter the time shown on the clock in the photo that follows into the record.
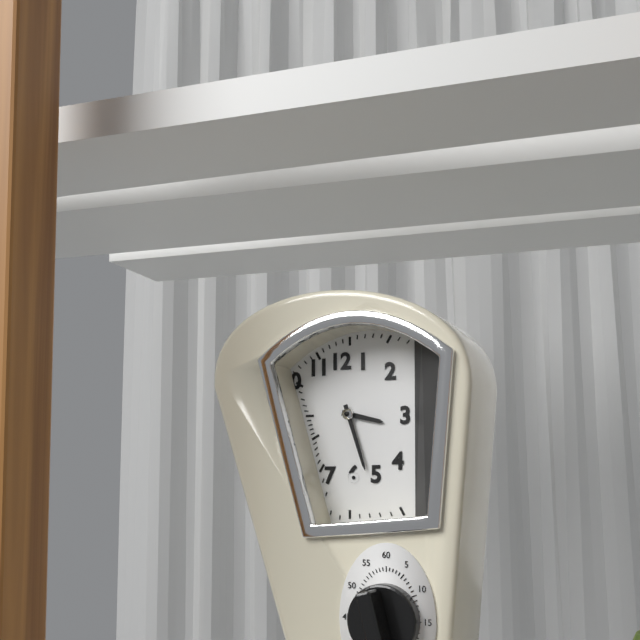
3:27
